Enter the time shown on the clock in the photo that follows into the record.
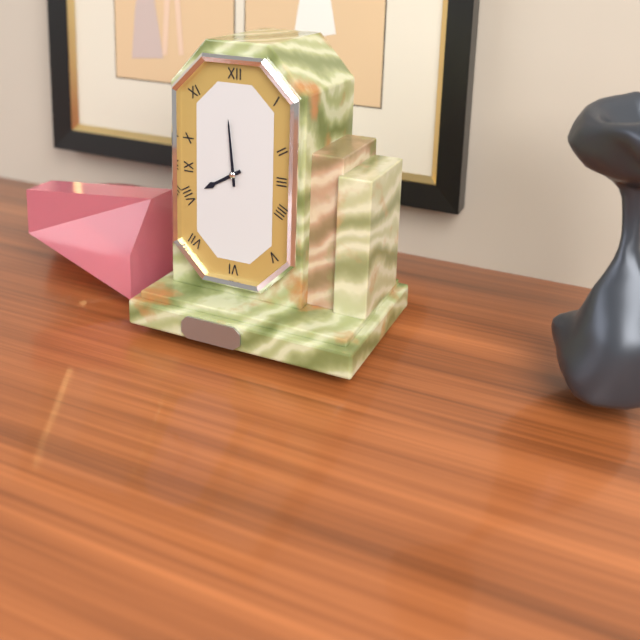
7:59
